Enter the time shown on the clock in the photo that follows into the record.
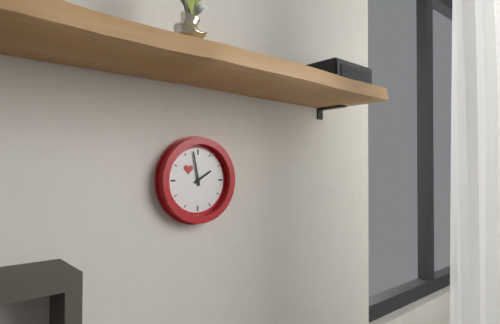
1:58
